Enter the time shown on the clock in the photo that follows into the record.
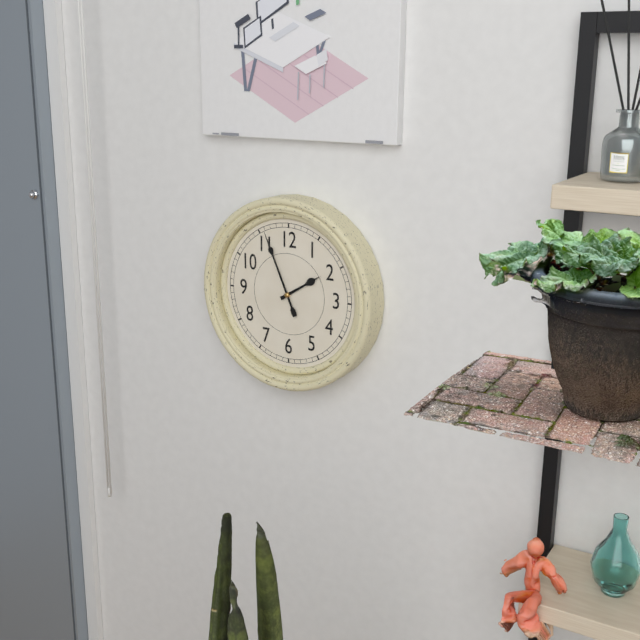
1:56
